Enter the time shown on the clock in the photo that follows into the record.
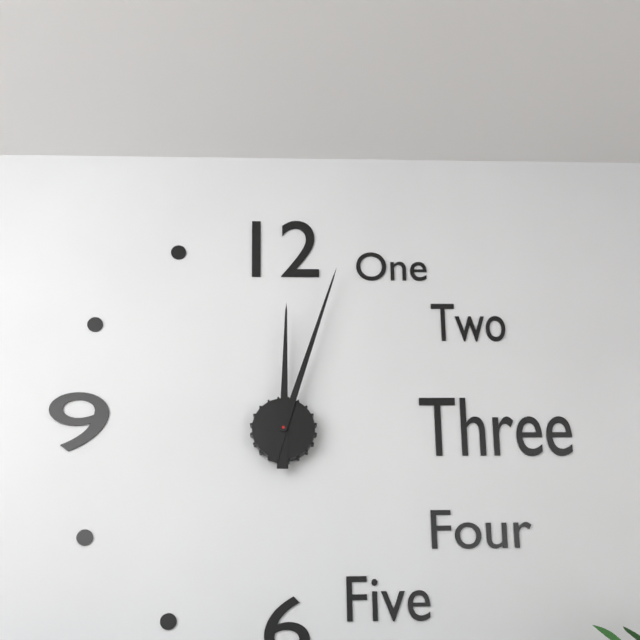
12:03
